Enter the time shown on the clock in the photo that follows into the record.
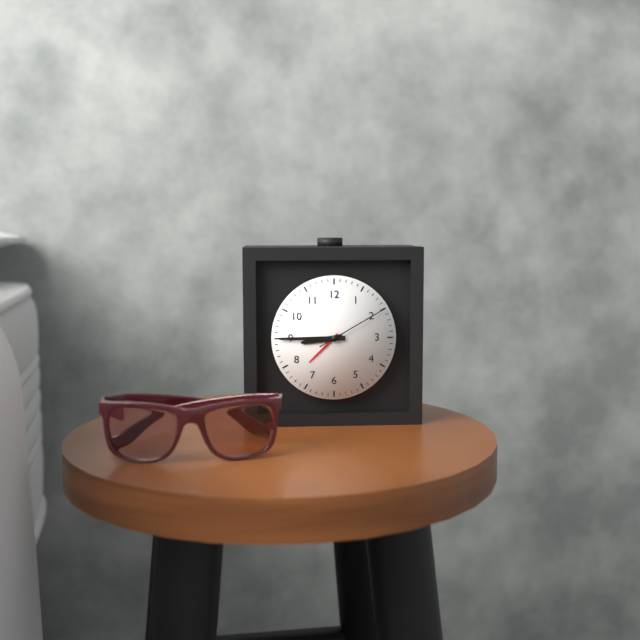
8:45:10
